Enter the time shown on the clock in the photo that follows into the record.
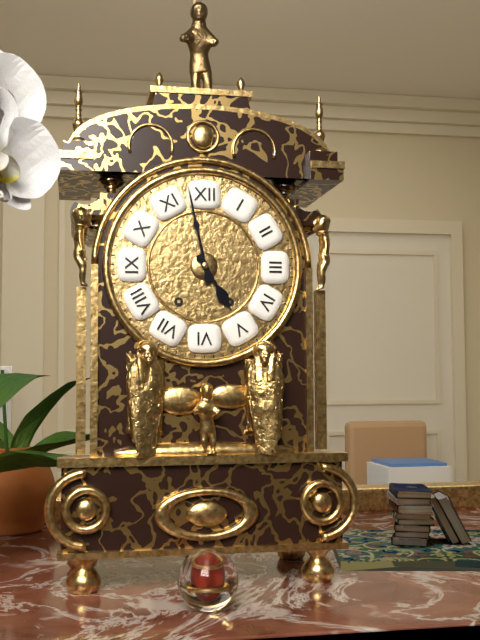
4:58
